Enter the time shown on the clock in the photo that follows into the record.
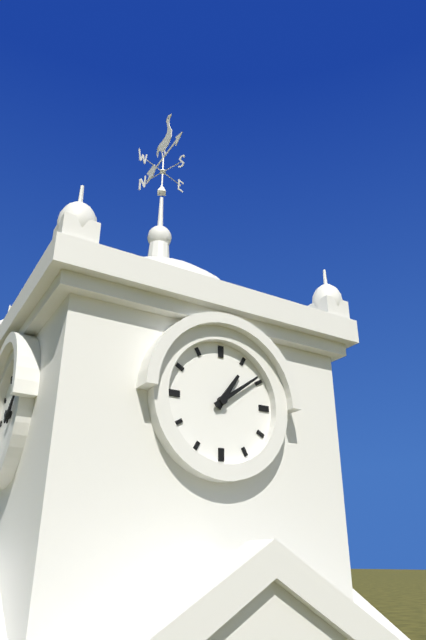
1:09
